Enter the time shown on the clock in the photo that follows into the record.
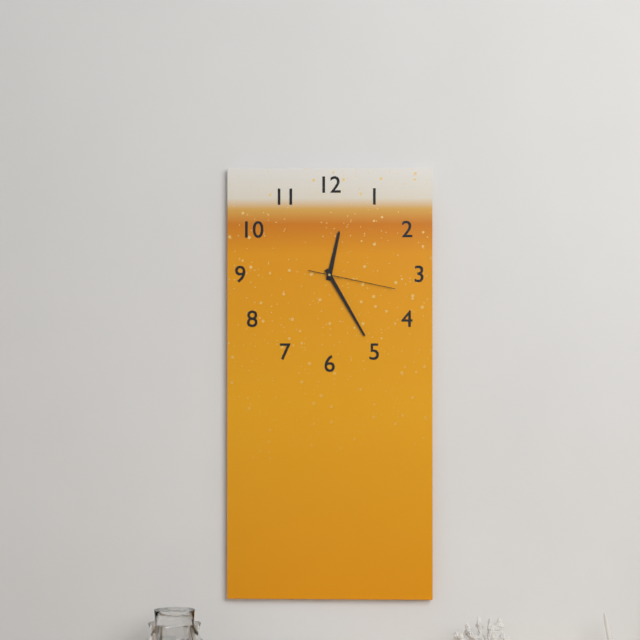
12:25:17
